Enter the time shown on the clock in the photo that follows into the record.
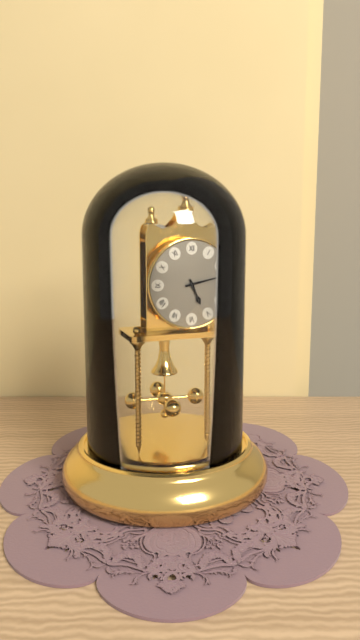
5:13
